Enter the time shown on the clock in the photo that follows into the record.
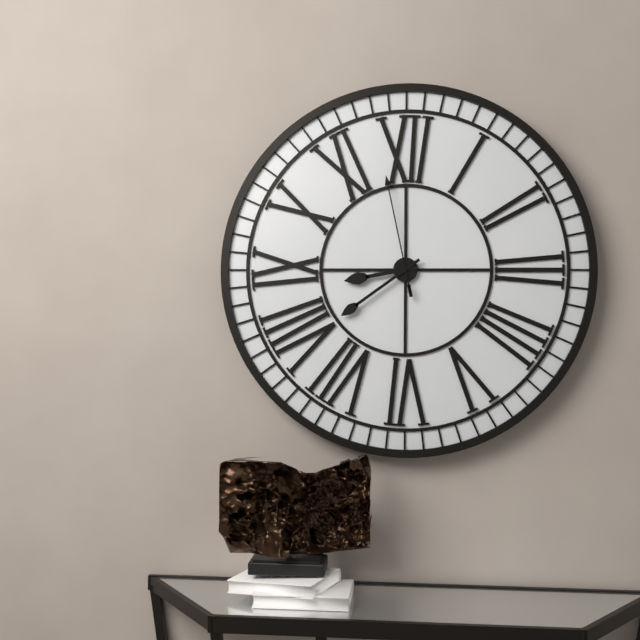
8:39:58
